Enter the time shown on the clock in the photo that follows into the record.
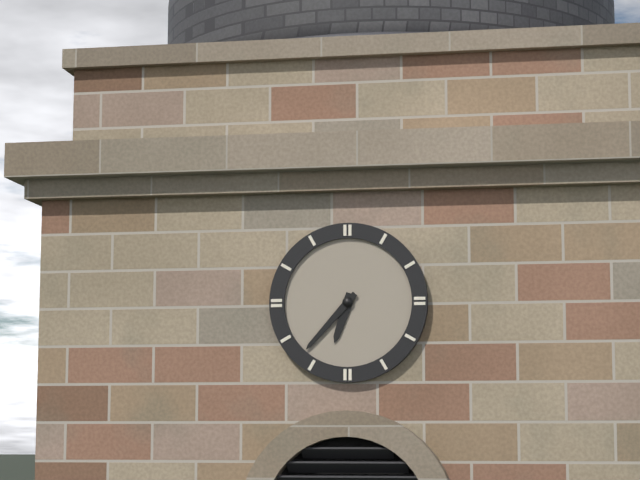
6:37
